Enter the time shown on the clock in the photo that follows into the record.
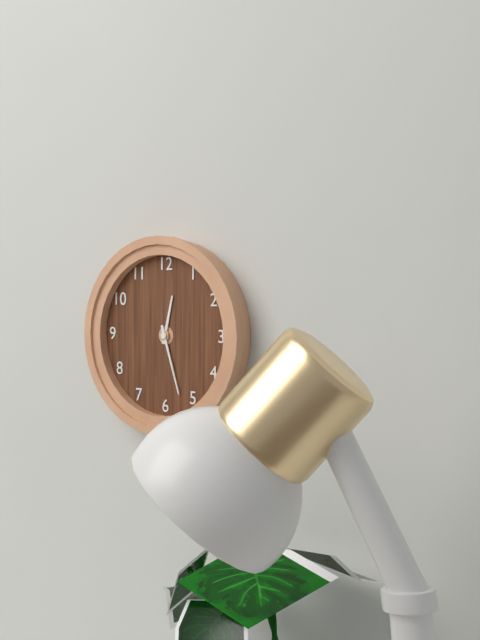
12:27
